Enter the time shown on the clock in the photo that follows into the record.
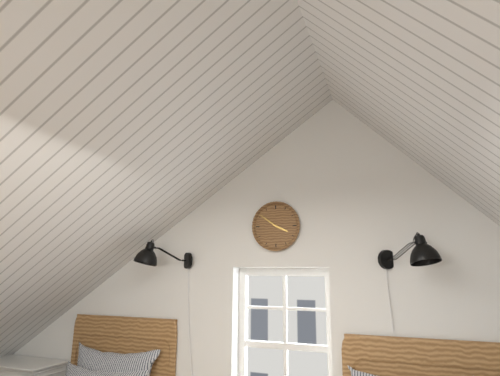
3:51
